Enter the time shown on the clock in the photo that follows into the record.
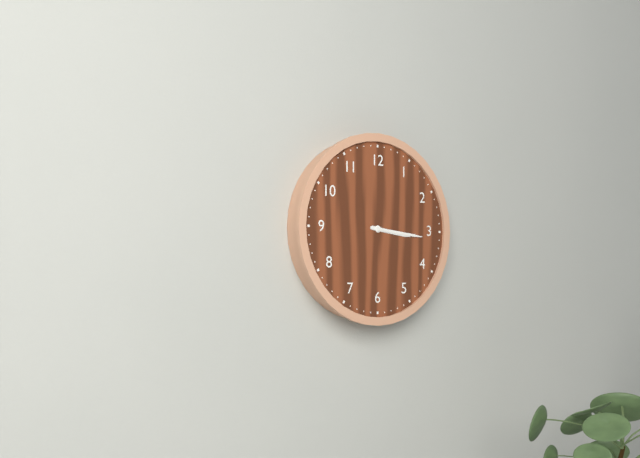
3:16
